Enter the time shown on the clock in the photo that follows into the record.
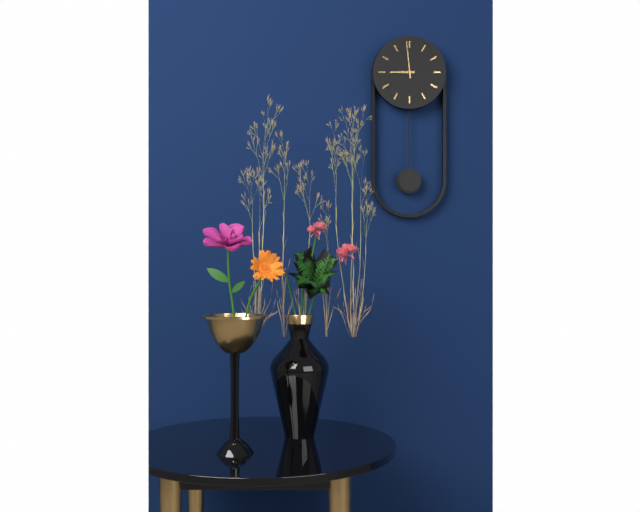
8:59
